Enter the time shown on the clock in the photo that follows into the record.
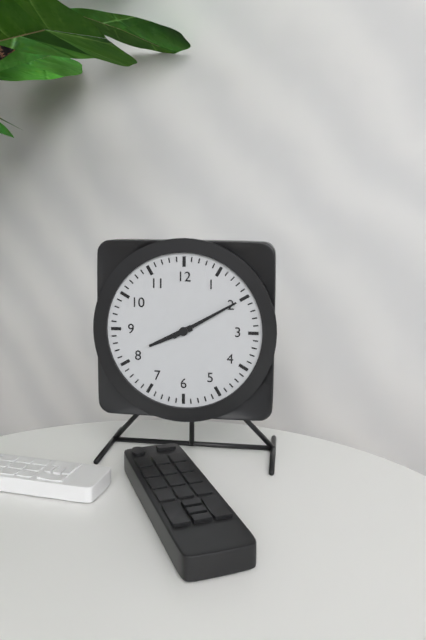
8:10
